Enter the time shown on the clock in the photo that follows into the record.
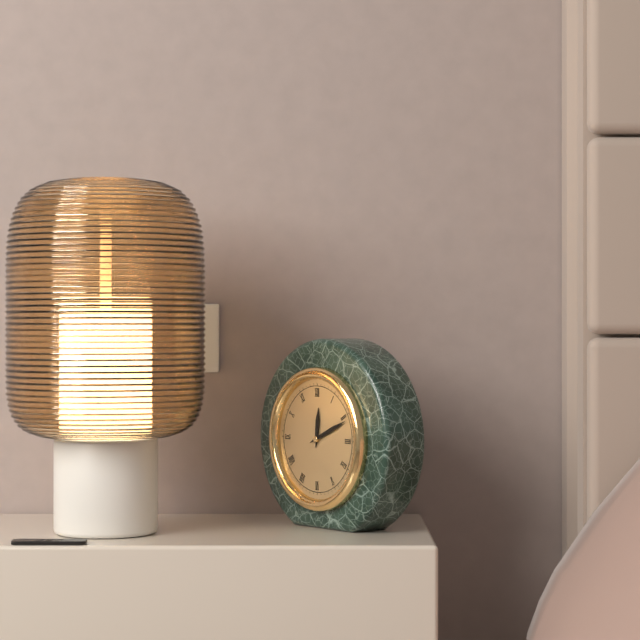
12:11
